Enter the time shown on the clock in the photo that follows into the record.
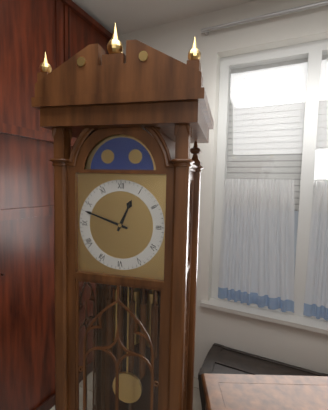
12:48
